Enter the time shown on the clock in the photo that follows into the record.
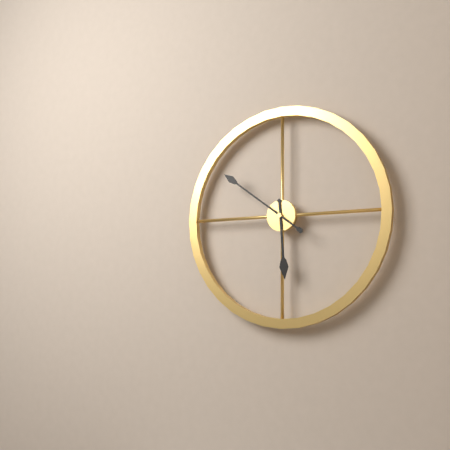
5:51
